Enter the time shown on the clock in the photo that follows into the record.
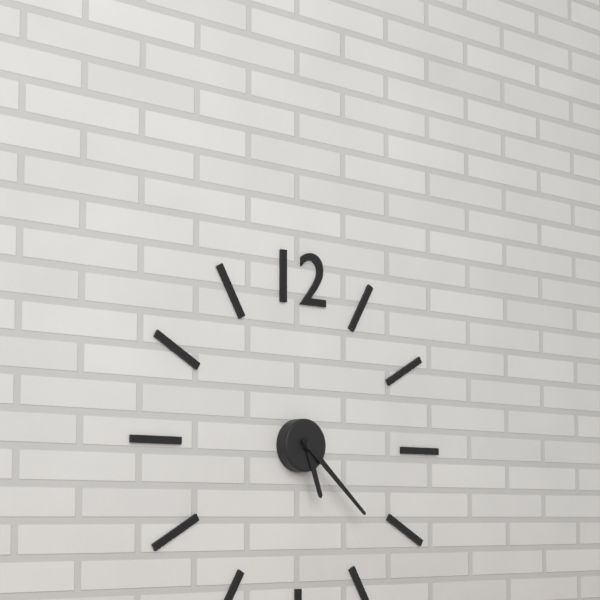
5:22
